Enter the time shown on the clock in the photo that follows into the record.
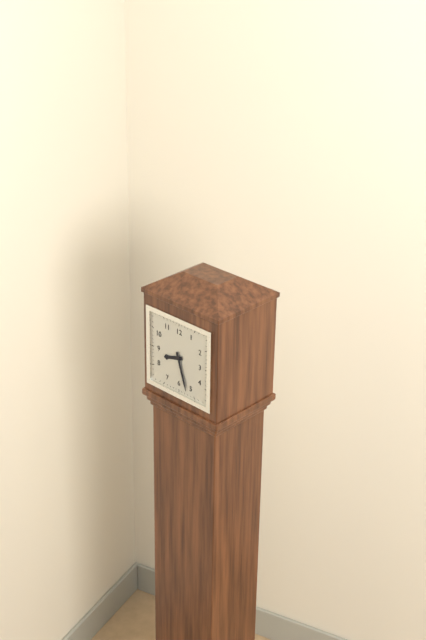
8:27
